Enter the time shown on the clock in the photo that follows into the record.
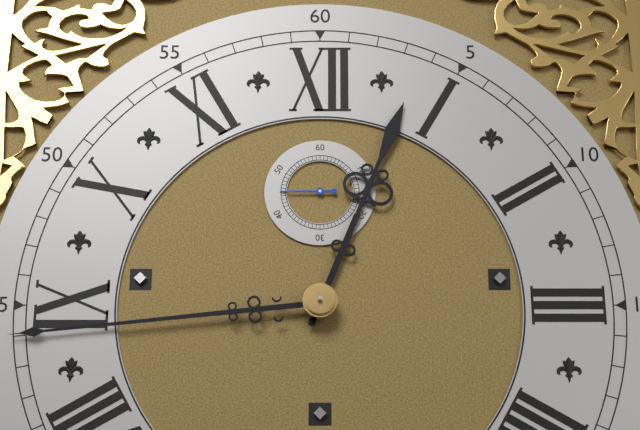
12:44:45
